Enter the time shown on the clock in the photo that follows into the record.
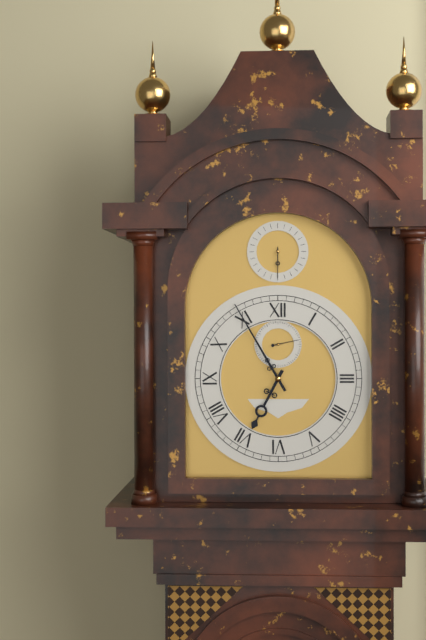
6:55
